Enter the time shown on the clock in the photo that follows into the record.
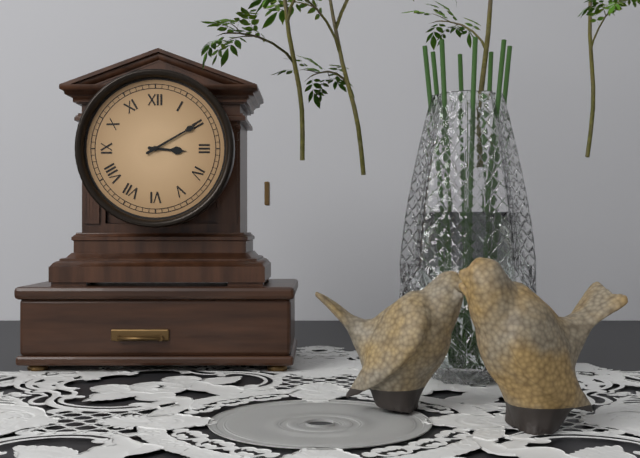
3:10
